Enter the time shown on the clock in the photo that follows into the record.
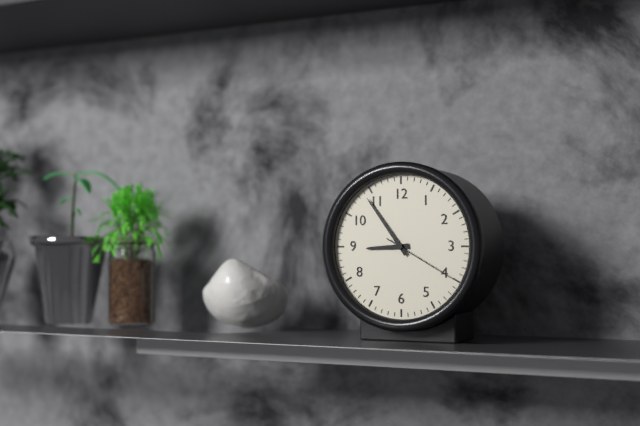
8:54:20
